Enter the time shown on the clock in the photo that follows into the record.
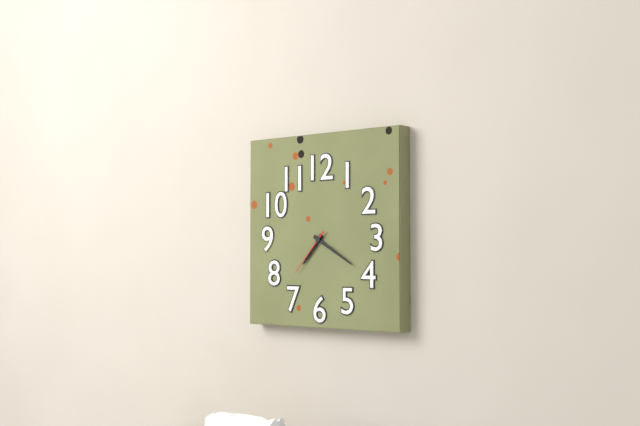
7:20:37
